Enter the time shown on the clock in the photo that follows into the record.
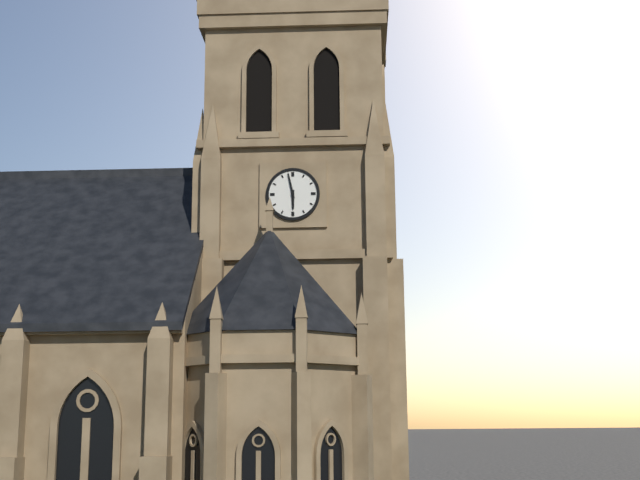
5:58
